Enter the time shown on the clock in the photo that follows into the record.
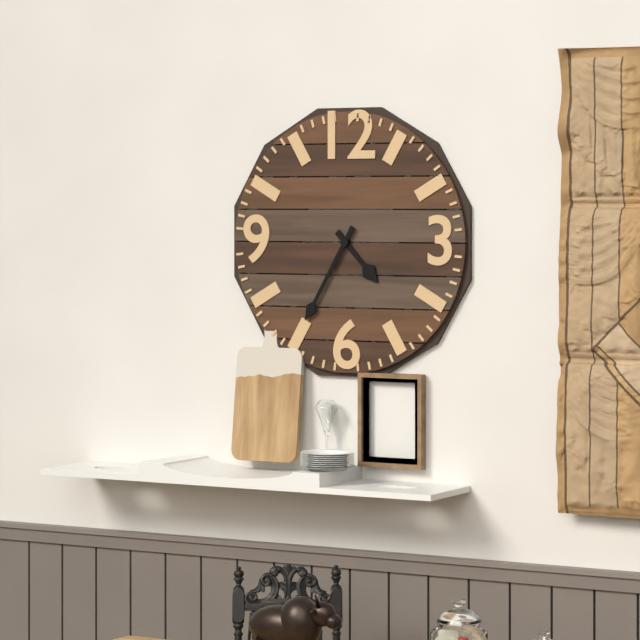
4:35
